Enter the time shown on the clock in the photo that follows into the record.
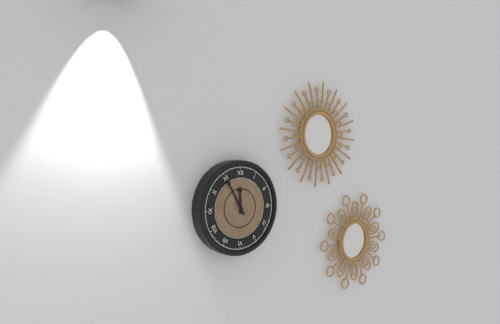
11:55
